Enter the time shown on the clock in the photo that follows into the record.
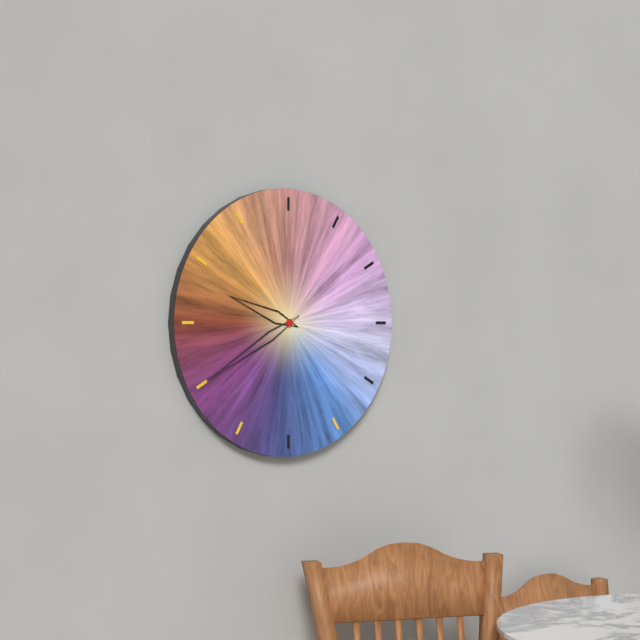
9:40
